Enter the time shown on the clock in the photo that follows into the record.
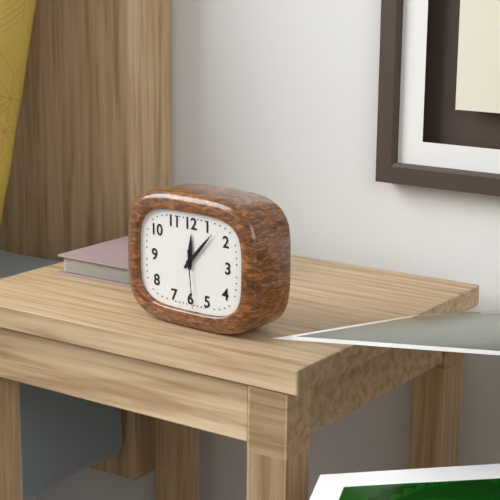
12:07:29
